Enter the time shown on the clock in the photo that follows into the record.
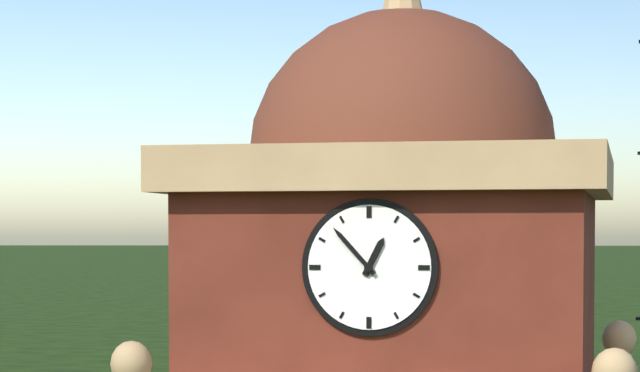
12:53
